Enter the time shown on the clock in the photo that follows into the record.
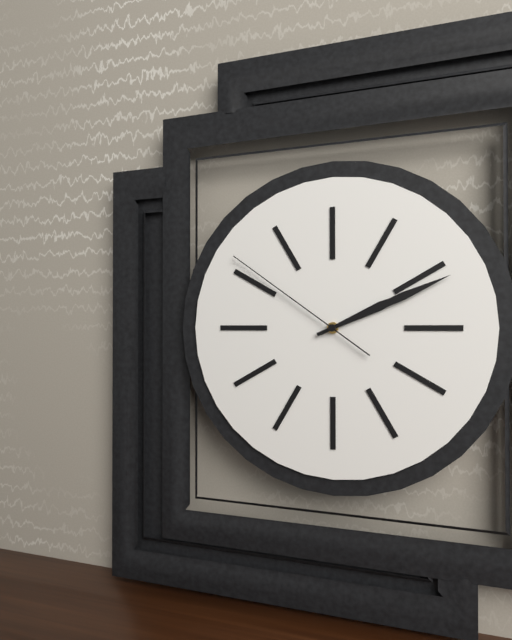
2:11:51
